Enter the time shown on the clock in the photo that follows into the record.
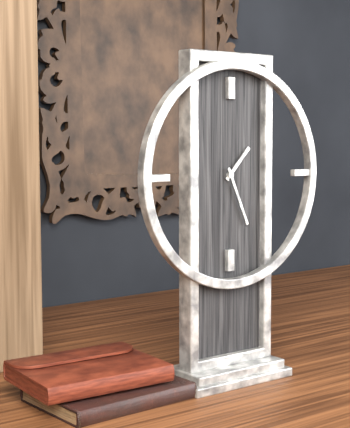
1:26
